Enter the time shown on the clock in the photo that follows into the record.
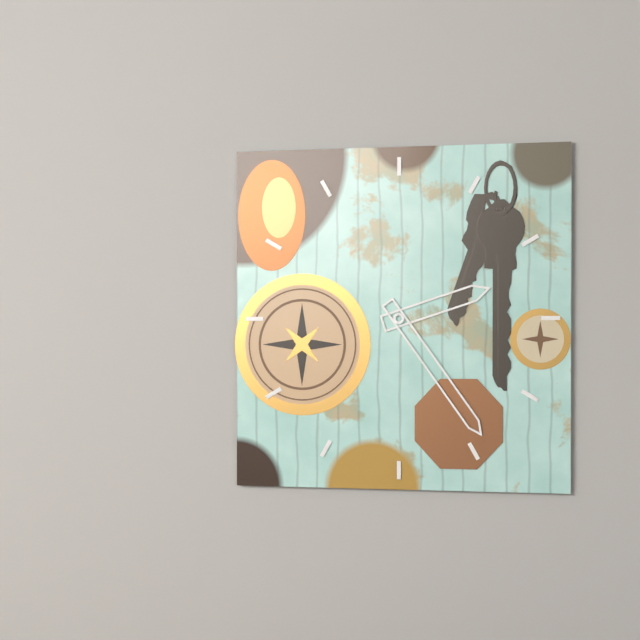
2:24
